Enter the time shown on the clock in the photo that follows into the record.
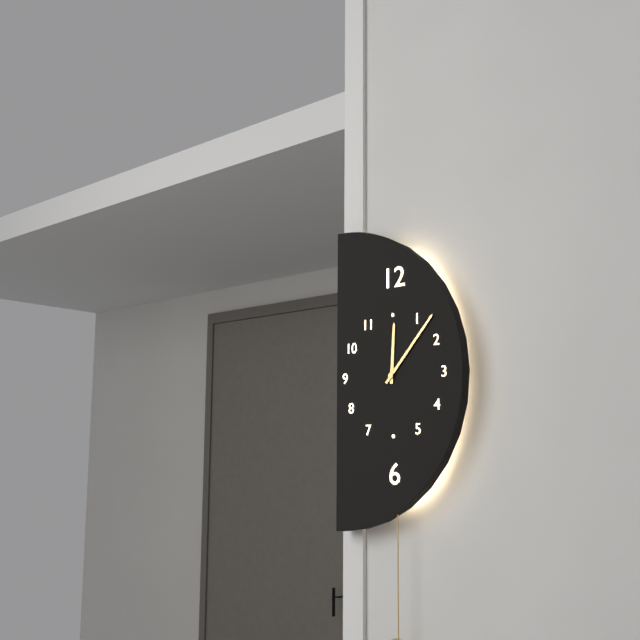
12:07
